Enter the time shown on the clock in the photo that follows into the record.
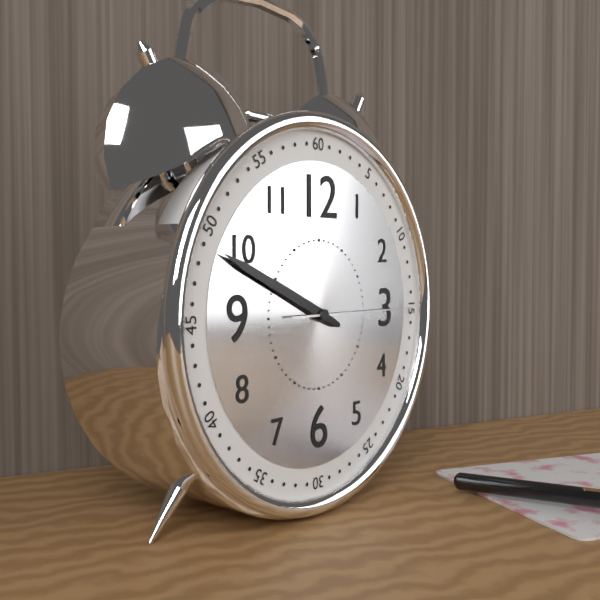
9:49:15
